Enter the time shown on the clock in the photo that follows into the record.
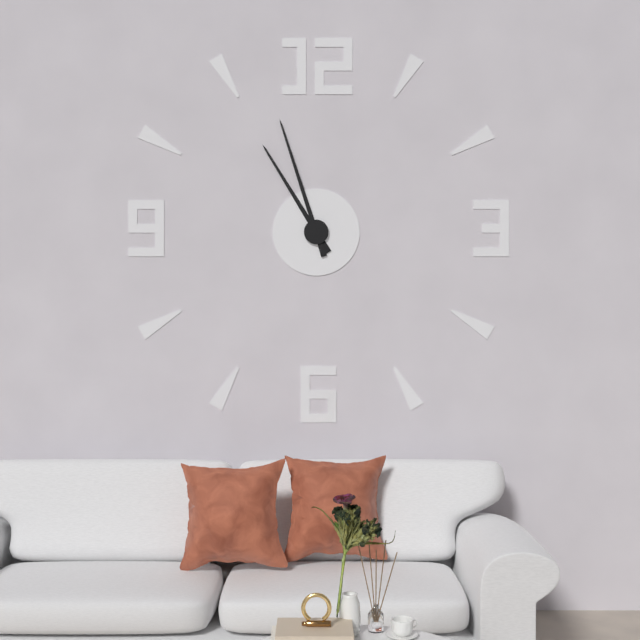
10:57
